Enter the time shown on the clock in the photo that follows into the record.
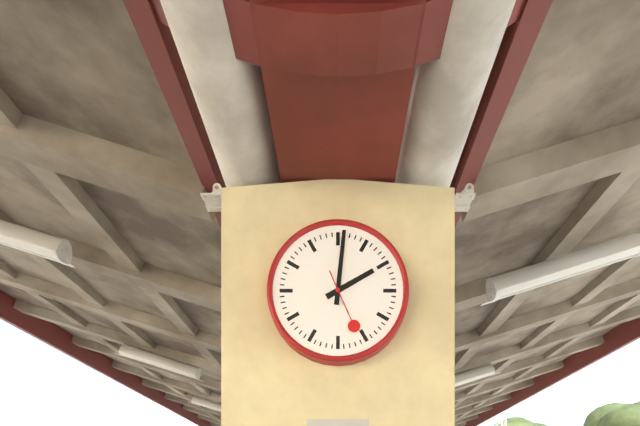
2:01:26
